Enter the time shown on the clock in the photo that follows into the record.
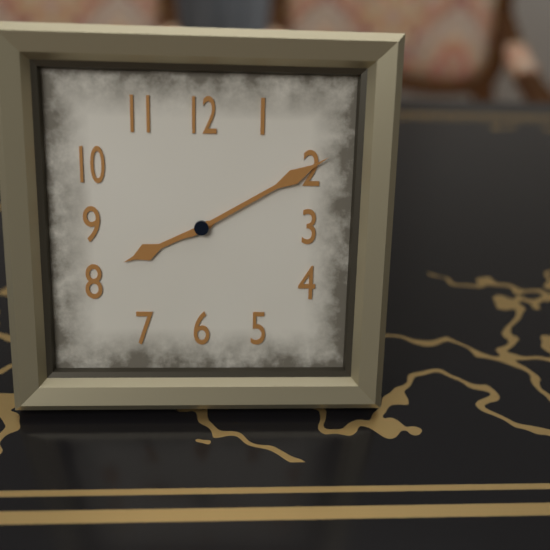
8:10
